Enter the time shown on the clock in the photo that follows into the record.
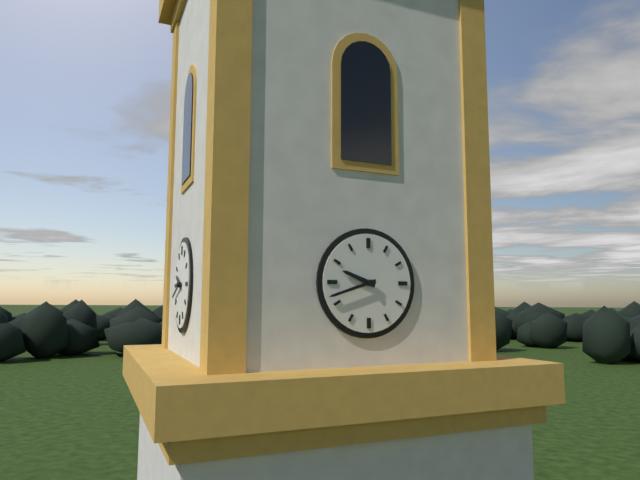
9:42
